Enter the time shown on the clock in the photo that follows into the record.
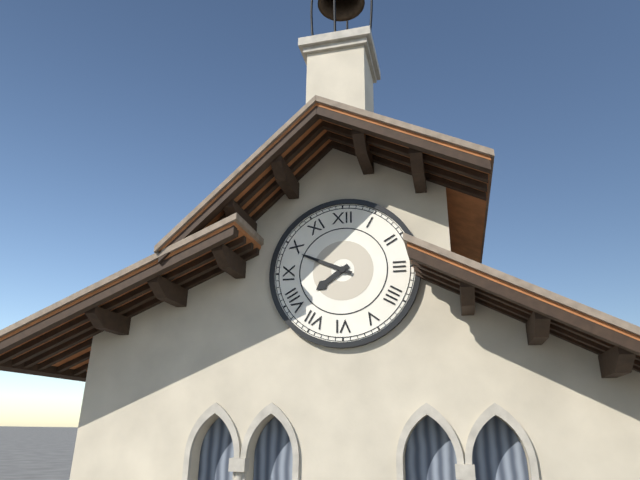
7:49
